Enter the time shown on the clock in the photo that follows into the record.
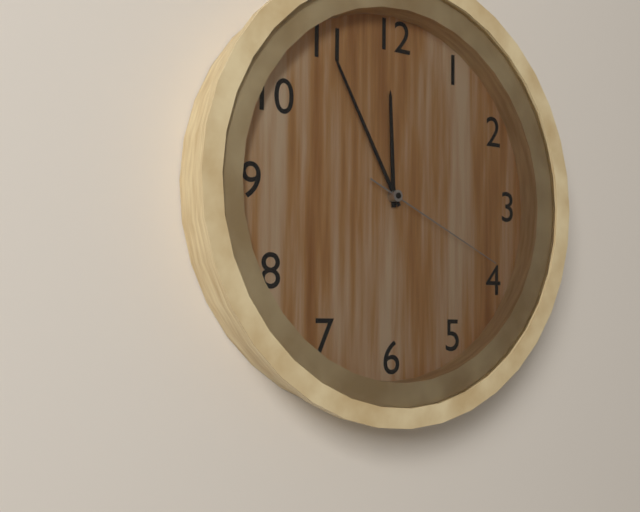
11:55:19
